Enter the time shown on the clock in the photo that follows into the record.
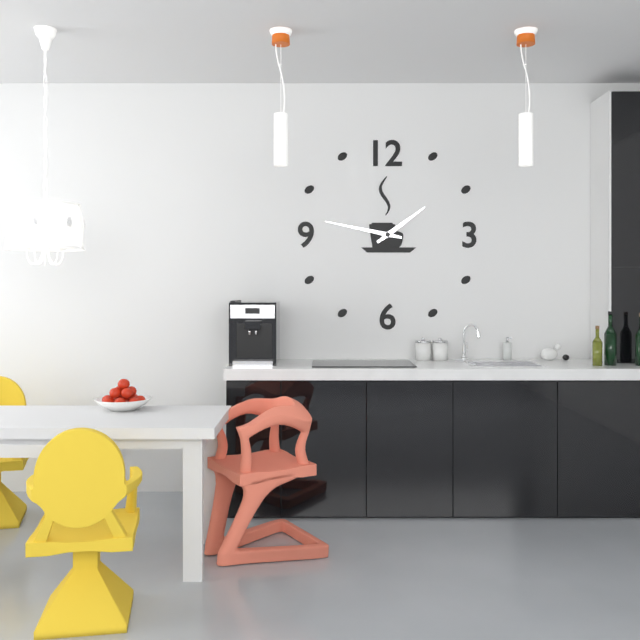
1:47
